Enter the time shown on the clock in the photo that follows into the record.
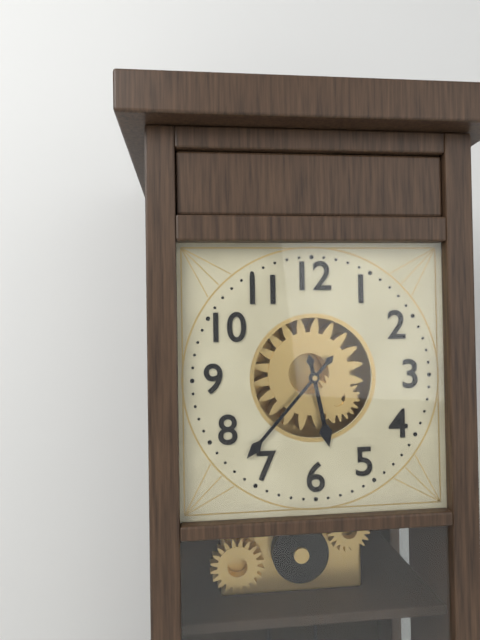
5:37
